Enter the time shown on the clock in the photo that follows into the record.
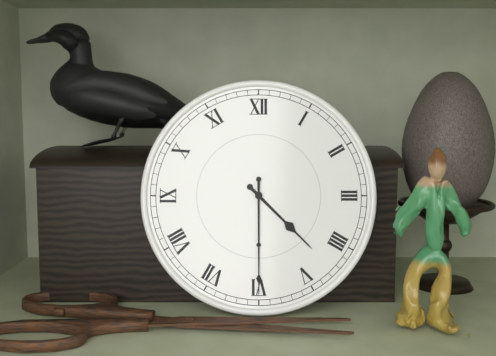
4:30
